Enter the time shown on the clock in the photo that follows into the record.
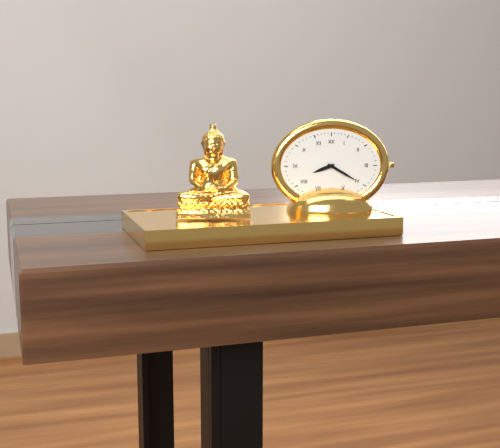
8:20
